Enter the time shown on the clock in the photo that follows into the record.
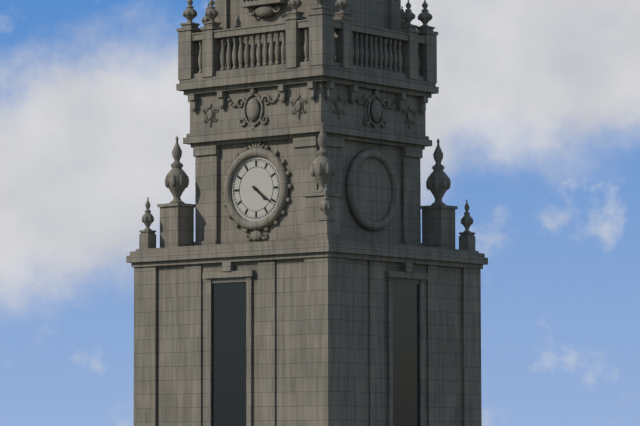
4:21
